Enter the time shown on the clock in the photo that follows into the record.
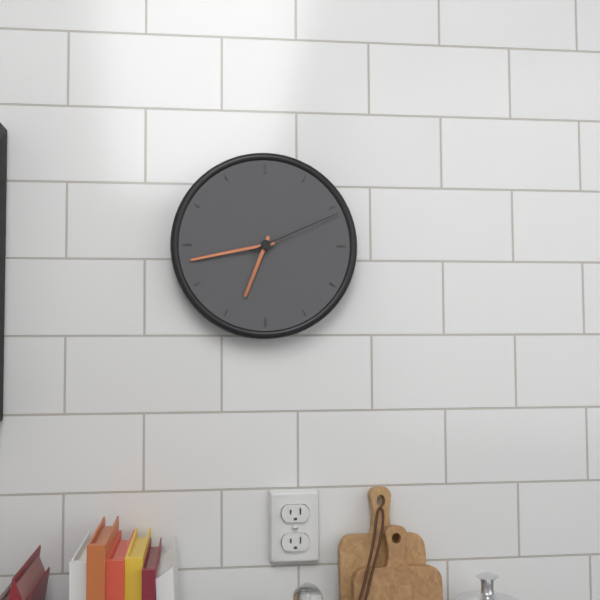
6:43:11
